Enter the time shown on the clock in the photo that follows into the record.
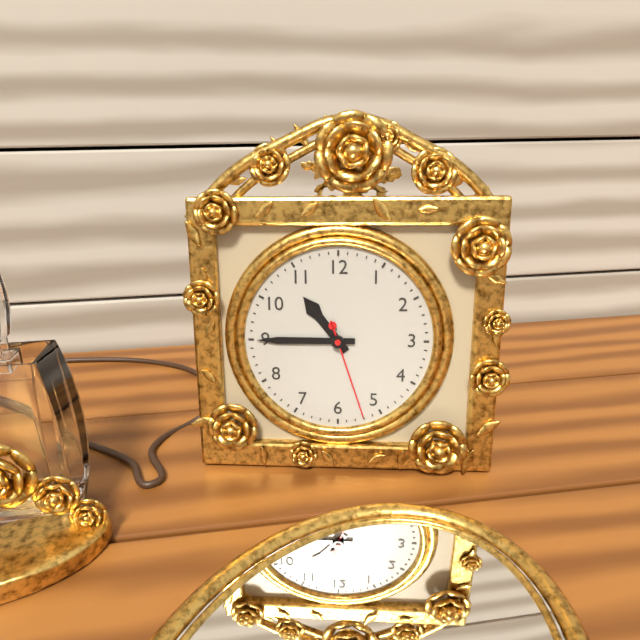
10:45:27
